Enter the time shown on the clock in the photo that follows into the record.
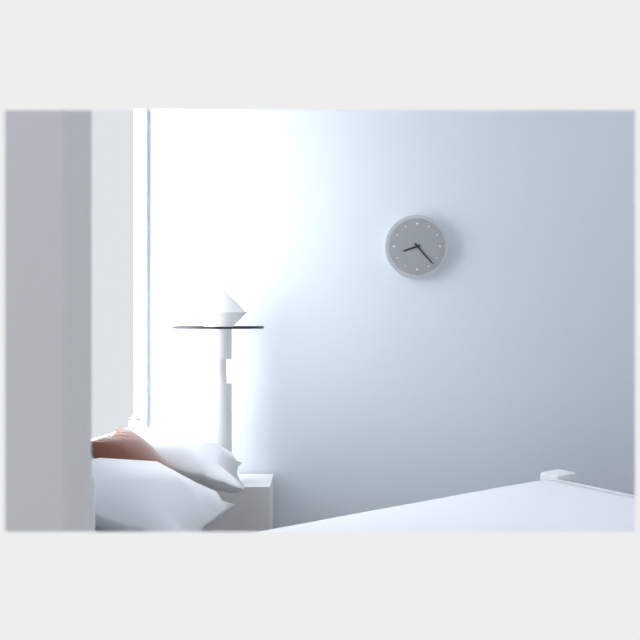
8:23
